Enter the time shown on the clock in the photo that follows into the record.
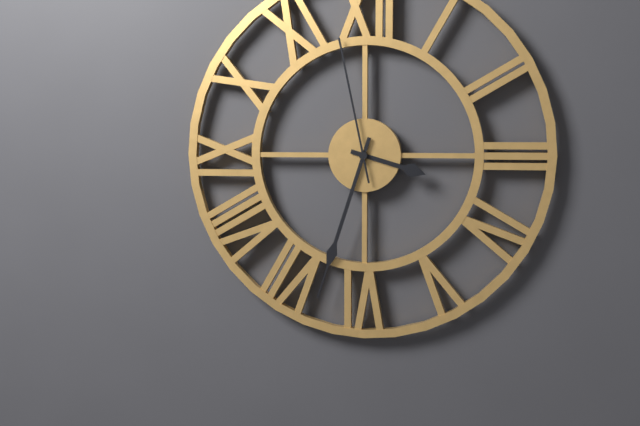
3:33:58
